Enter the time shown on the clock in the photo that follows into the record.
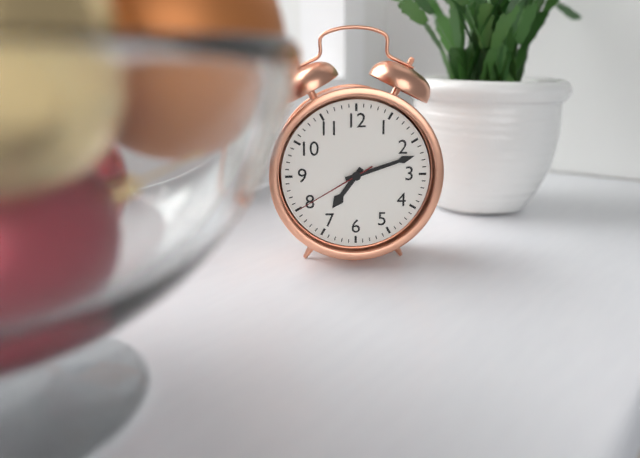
7:12:40
